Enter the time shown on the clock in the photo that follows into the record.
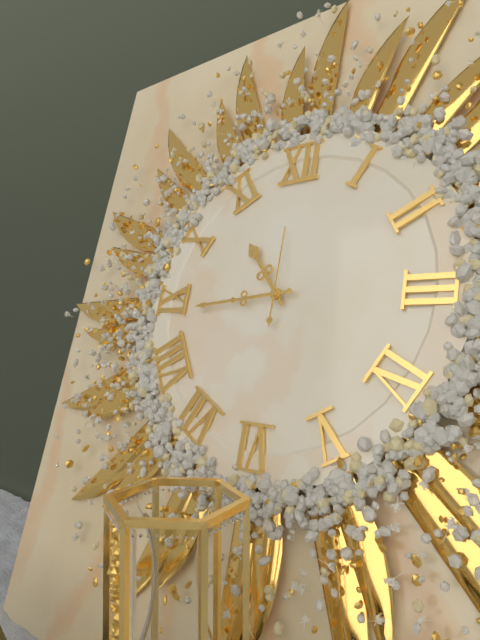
10:44:00
